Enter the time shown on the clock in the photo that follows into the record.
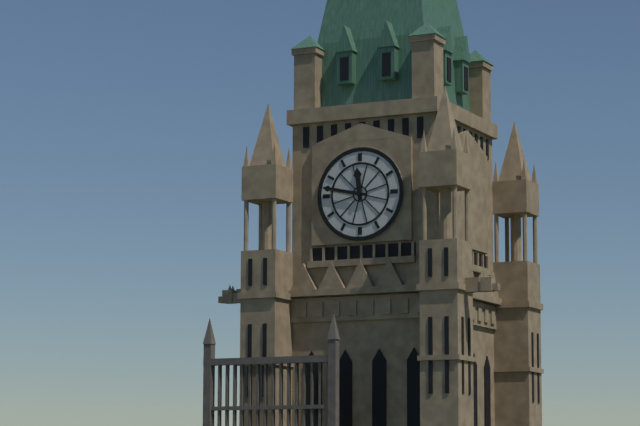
11:47
